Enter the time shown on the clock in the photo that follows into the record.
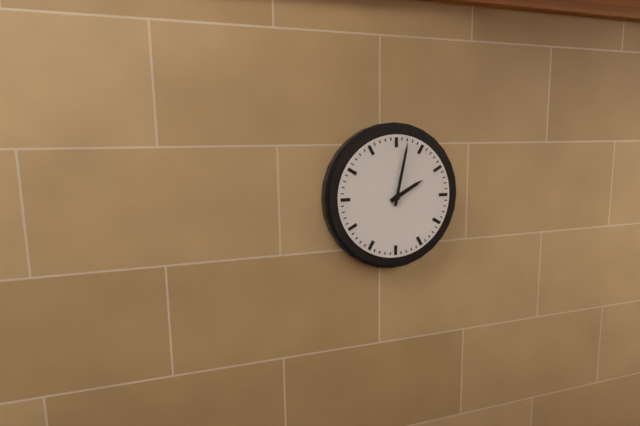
2:02
